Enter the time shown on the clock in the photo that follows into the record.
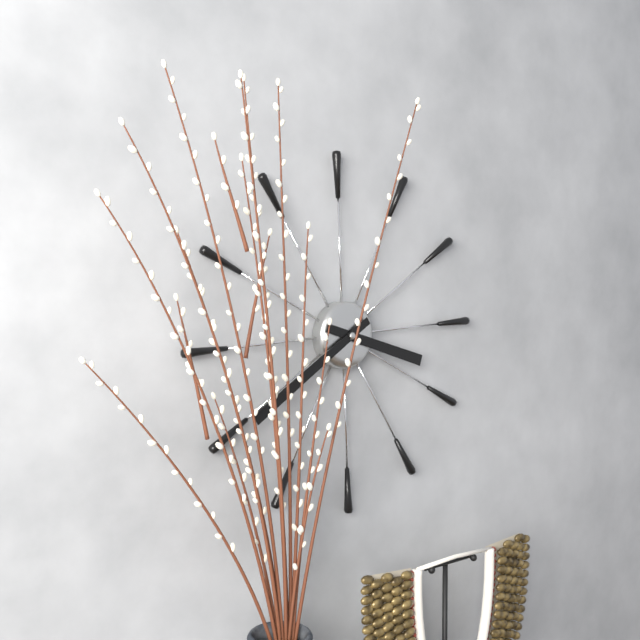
3:40
